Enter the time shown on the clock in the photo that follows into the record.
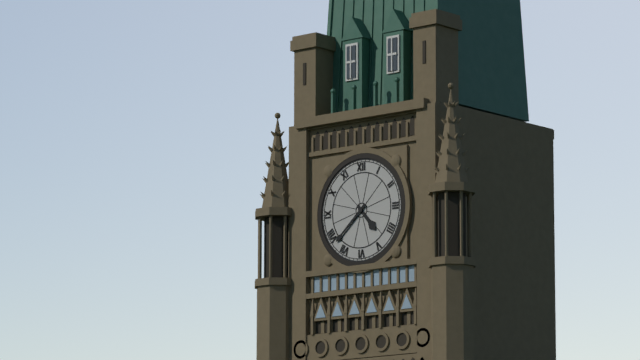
4:38
